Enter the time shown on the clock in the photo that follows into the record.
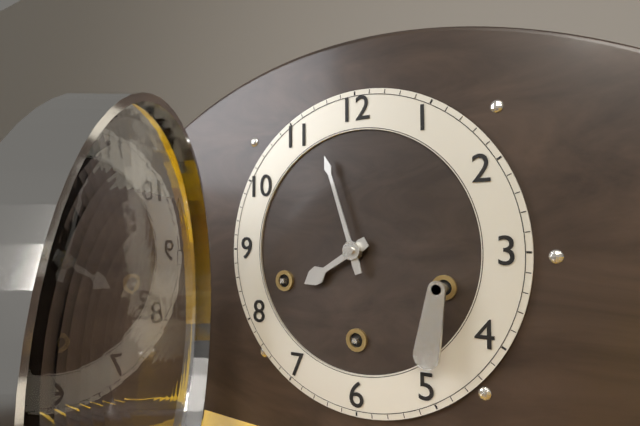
7:57
